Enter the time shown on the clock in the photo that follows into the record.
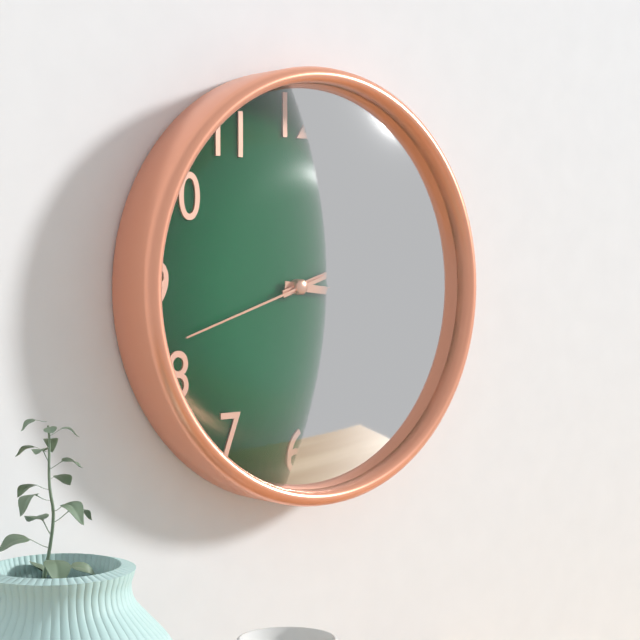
3:12:42
